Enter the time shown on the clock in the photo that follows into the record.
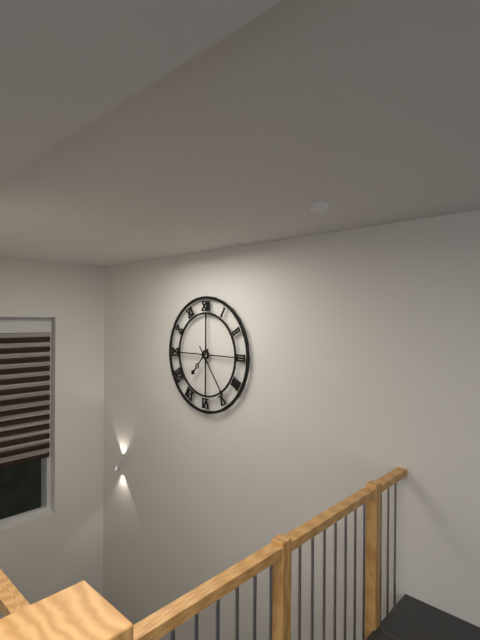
7:24
